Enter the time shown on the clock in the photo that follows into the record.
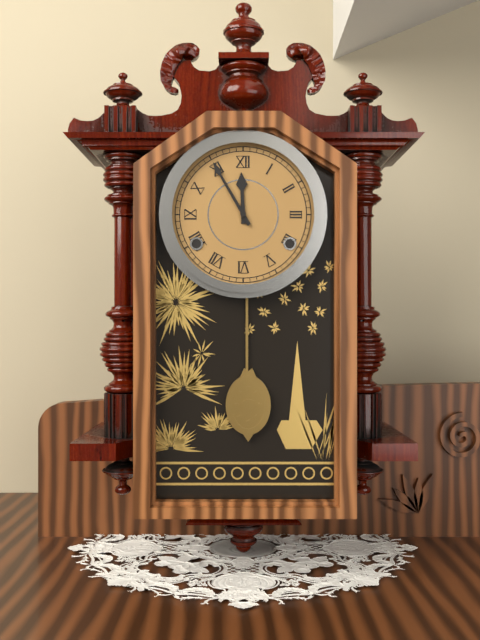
11:55
